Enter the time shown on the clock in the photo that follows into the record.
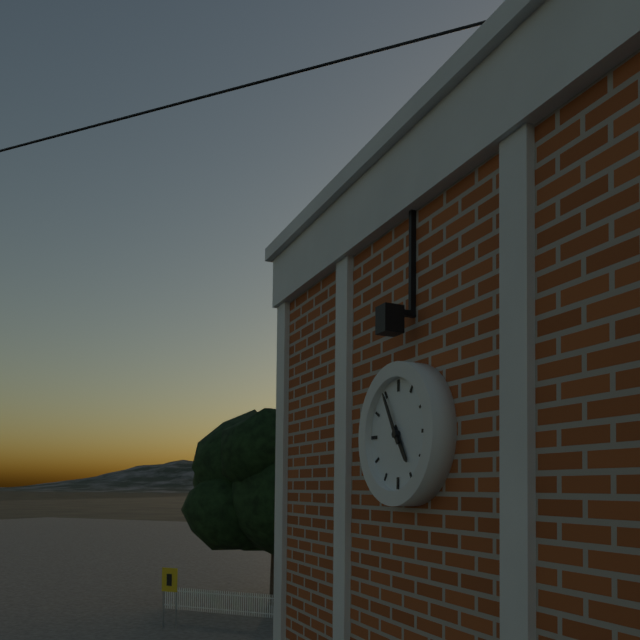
4:55
